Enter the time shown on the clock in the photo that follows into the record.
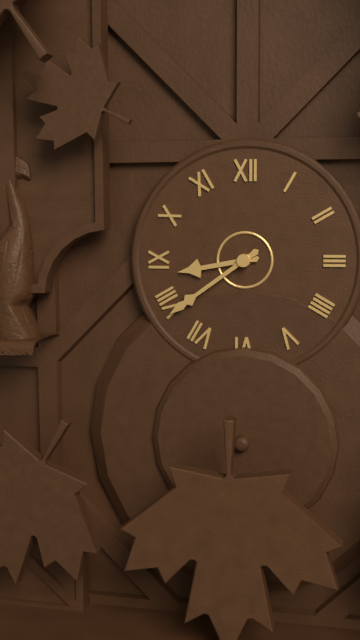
8:39
